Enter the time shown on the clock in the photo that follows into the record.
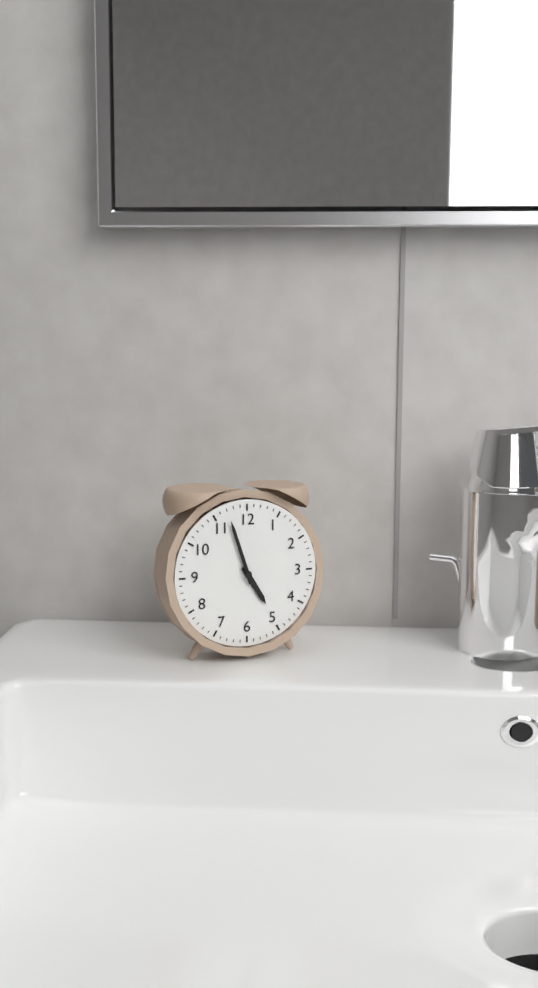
4:57
